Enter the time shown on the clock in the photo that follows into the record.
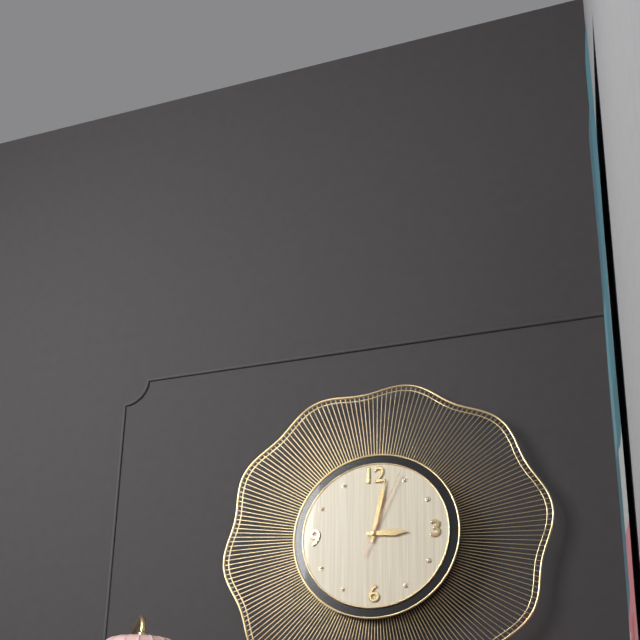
3:02:04
